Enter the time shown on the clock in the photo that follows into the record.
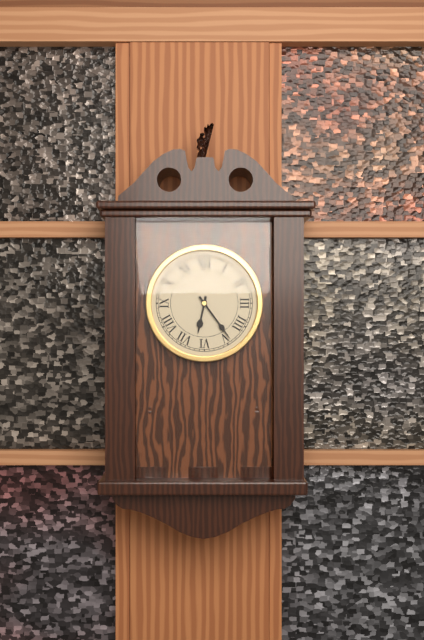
6:24
